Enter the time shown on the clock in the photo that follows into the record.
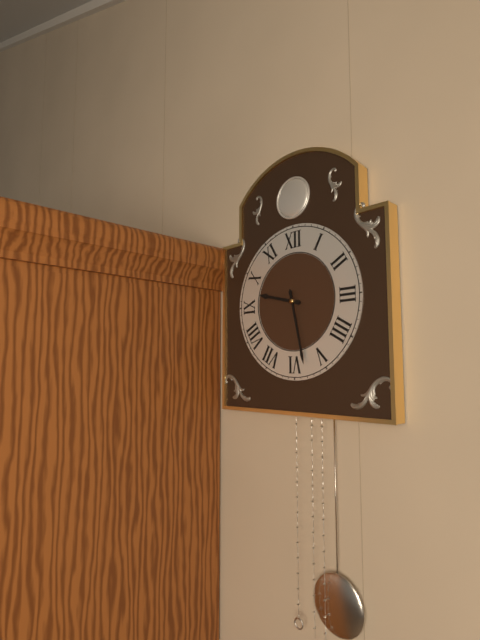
9:28
